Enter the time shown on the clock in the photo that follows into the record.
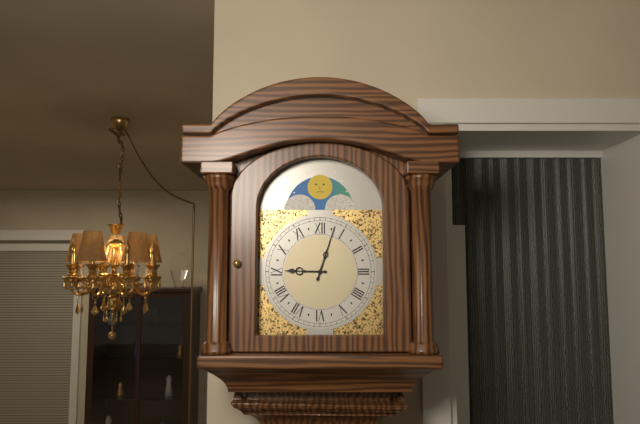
9:03
